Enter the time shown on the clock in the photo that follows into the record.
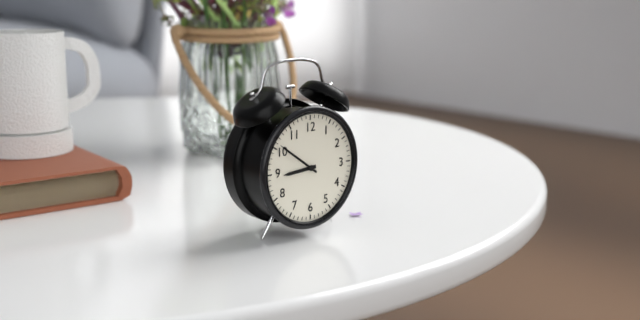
8:51
